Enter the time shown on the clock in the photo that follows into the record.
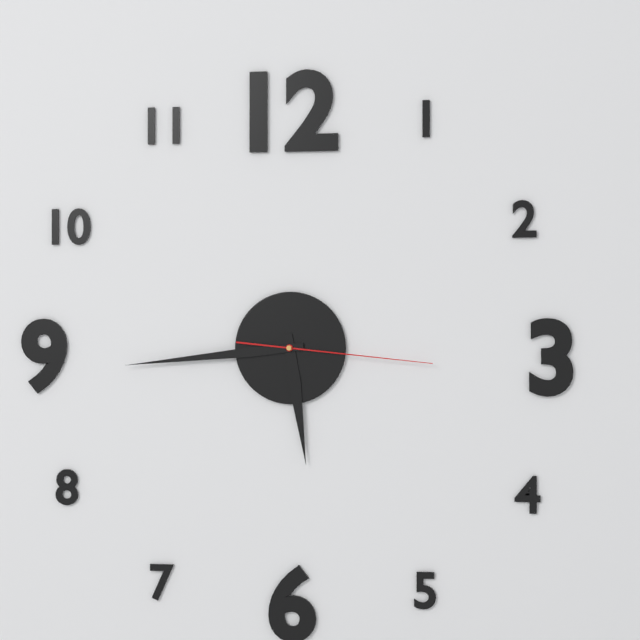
5:44:16
